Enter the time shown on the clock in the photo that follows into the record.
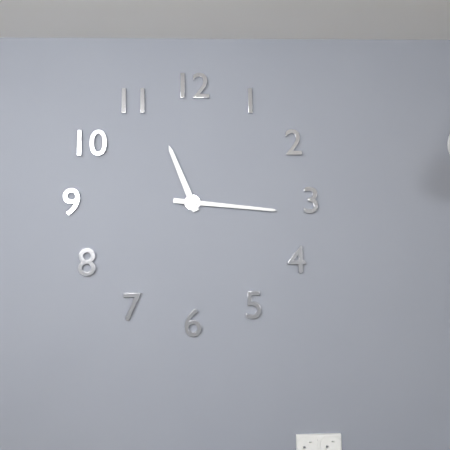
11:16
